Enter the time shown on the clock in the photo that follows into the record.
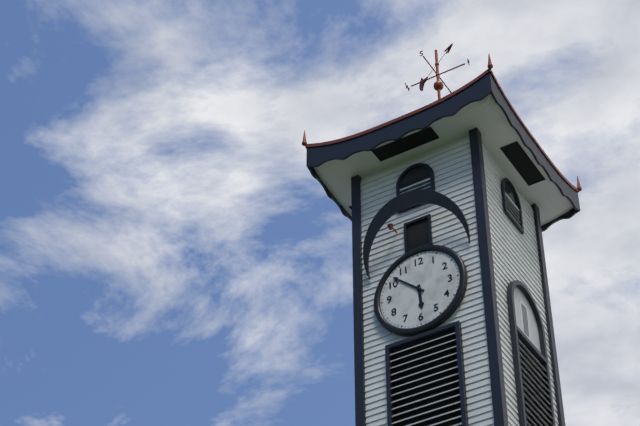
5:52
